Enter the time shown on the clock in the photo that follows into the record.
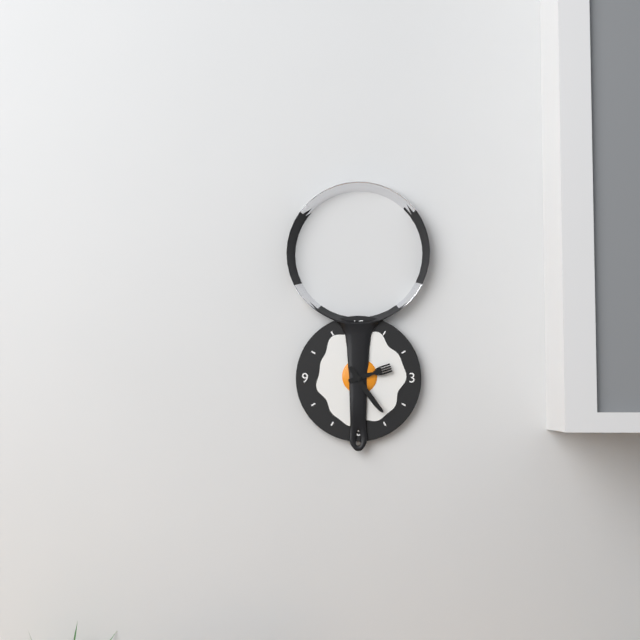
2:24
